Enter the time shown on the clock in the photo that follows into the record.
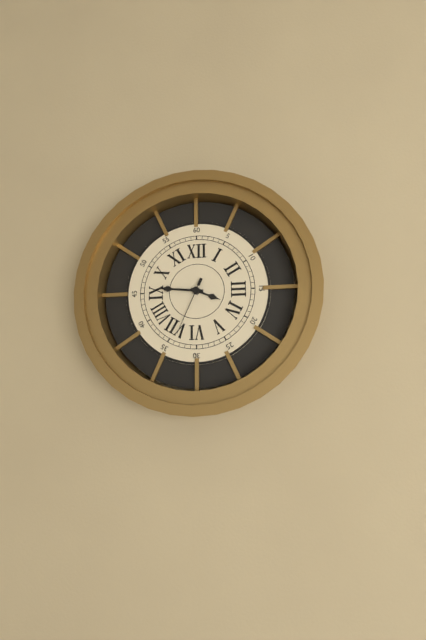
3:46:34
